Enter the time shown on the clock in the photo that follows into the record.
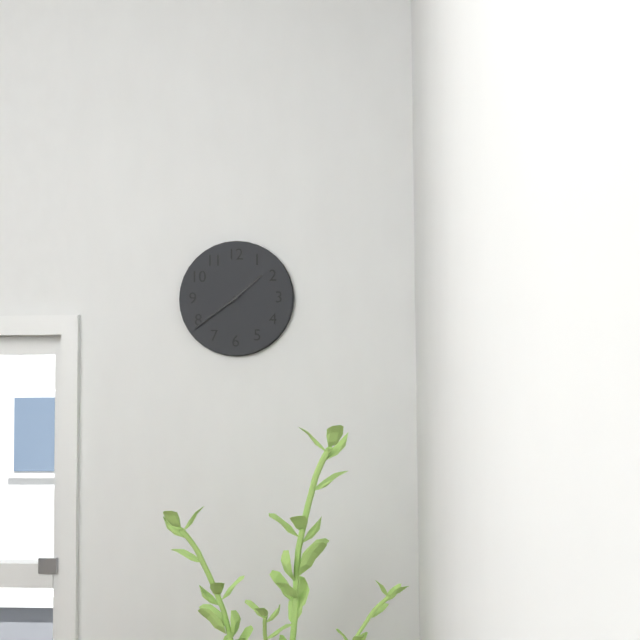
1:39
